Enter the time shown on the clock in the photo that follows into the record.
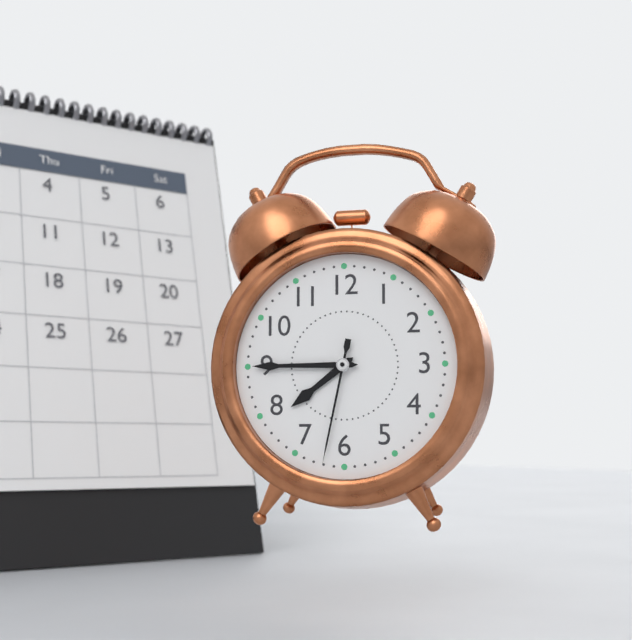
7:45:32
